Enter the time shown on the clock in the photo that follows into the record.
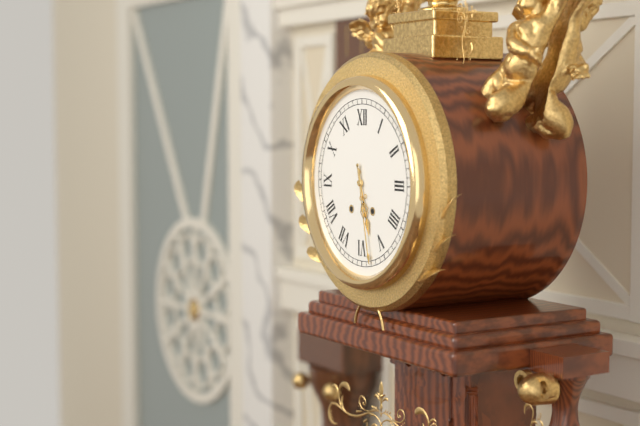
5:28
